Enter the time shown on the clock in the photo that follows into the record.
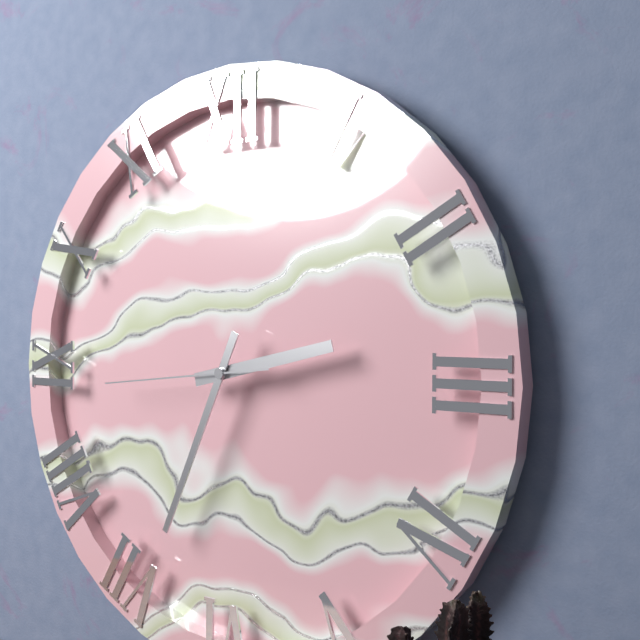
2:34:44
